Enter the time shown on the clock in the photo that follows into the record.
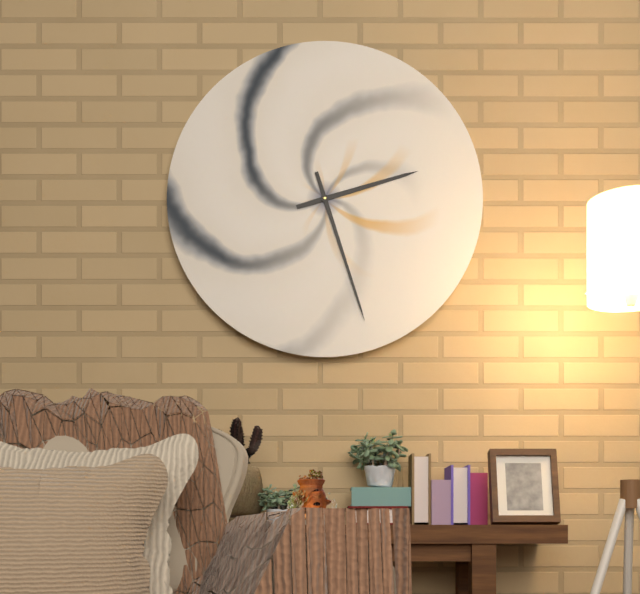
2:27
